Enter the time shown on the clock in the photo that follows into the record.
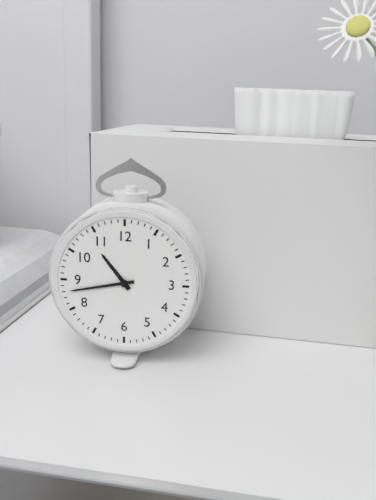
10:43
